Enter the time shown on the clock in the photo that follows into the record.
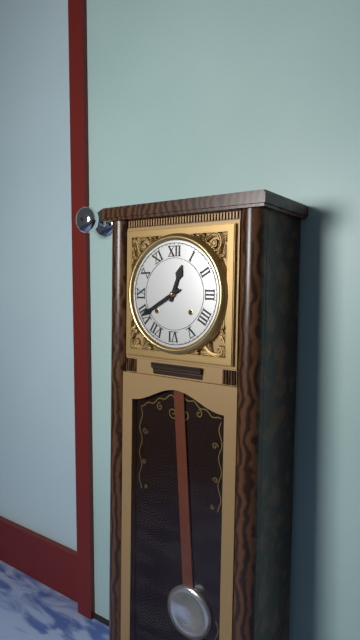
12:40
